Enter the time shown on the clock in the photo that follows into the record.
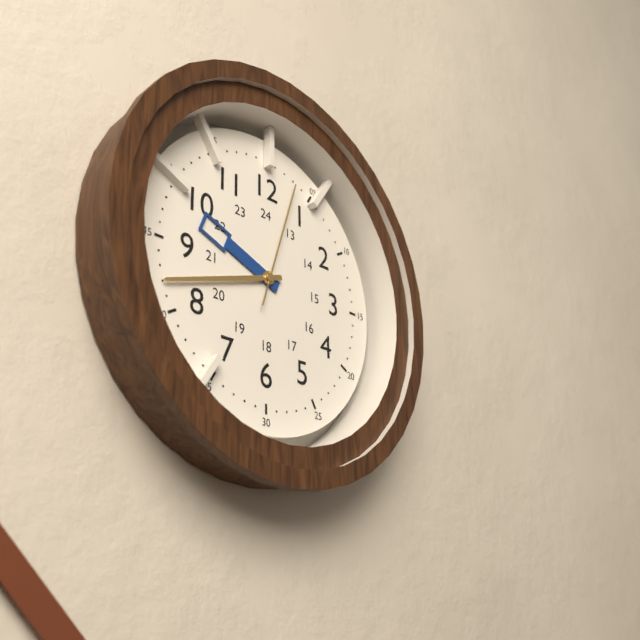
9:42:03
